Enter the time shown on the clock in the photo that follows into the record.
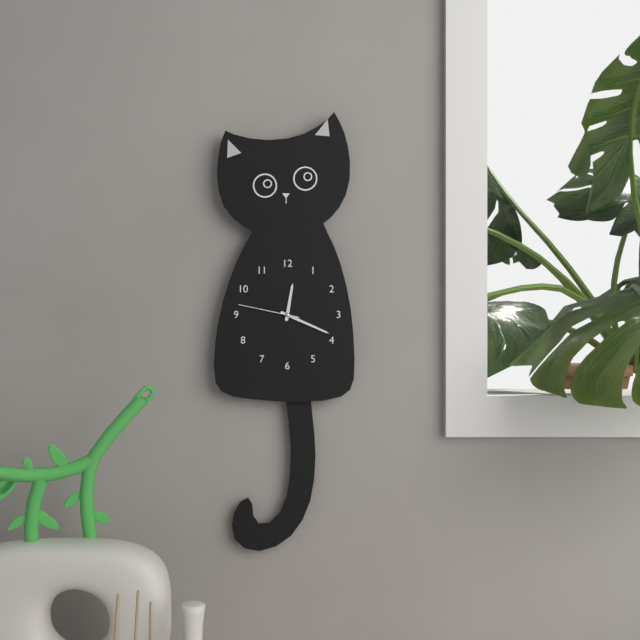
12:19:47
